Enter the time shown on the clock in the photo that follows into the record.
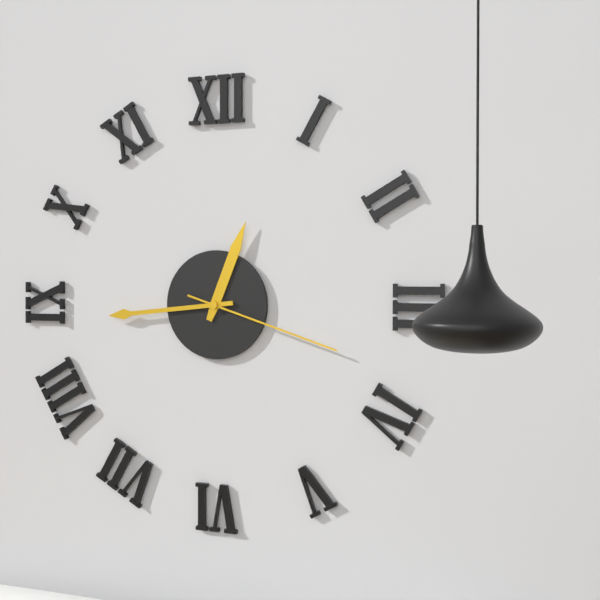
12:44:18
